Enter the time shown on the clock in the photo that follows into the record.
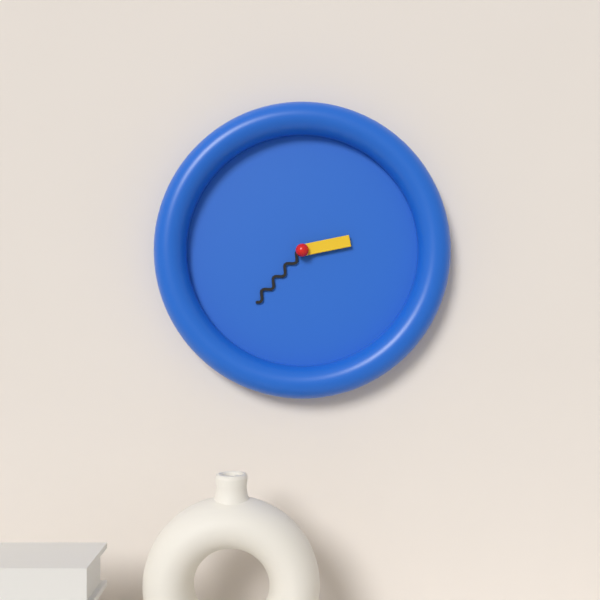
2:37
